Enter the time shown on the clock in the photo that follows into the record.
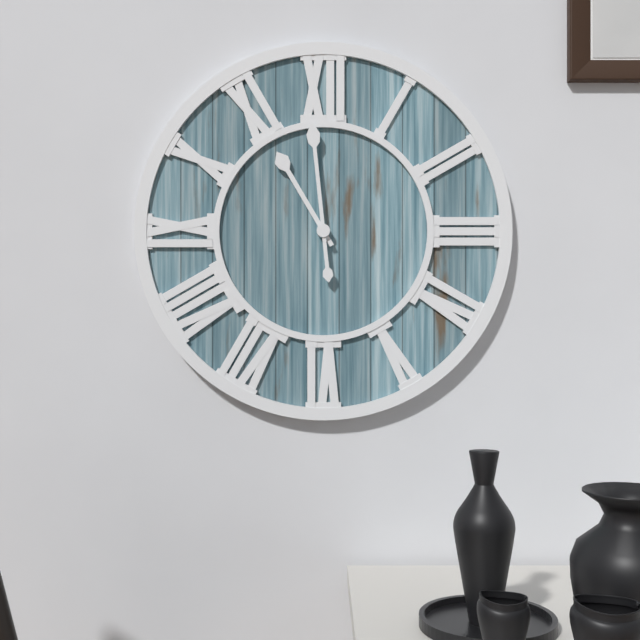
10:59
